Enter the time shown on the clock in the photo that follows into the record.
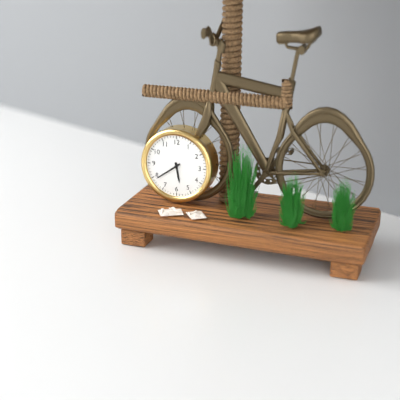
5:39
